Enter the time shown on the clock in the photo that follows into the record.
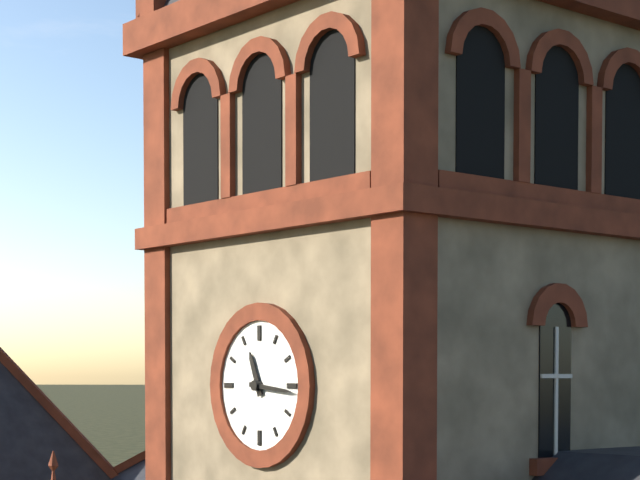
11:16
